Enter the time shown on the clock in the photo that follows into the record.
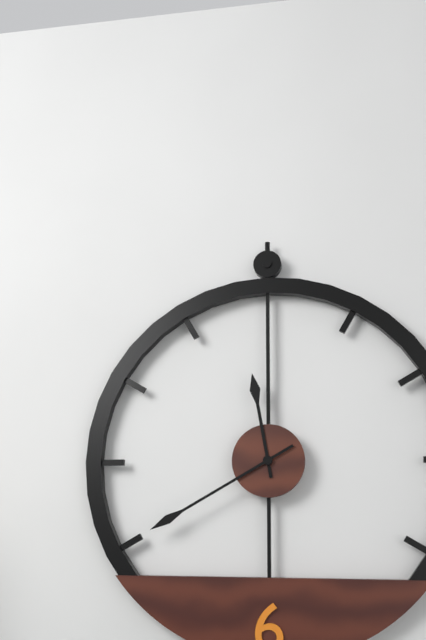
11:40
